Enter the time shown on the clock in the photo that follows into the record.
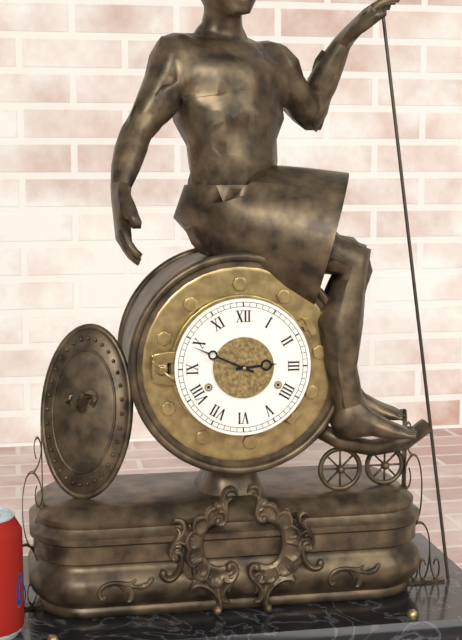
2:49
